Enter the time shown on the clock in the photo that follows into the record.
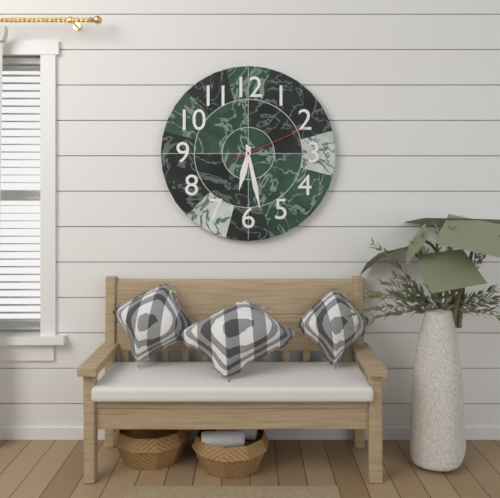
6:28:11
